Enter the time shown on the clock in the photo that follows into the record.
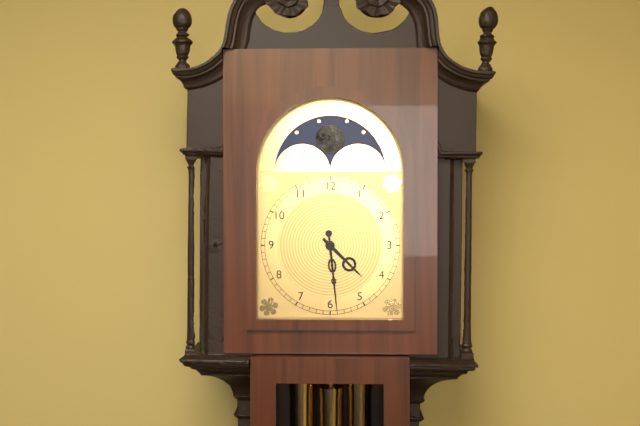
4:29
